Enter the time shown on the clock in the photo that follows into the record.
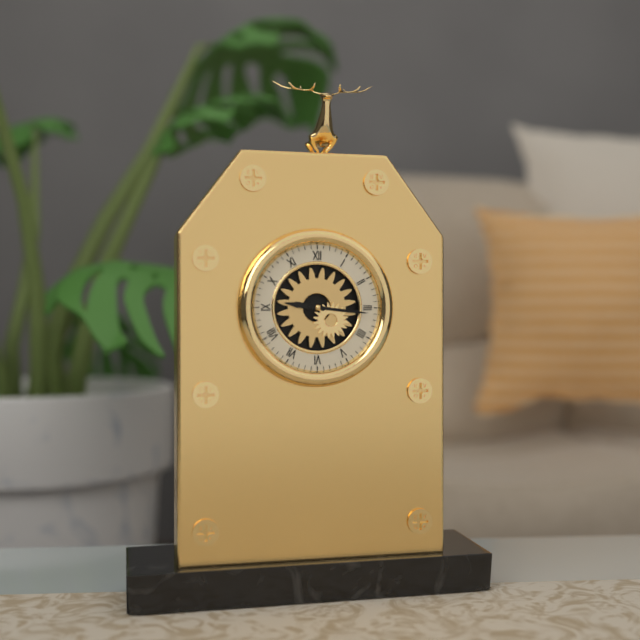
9:16
